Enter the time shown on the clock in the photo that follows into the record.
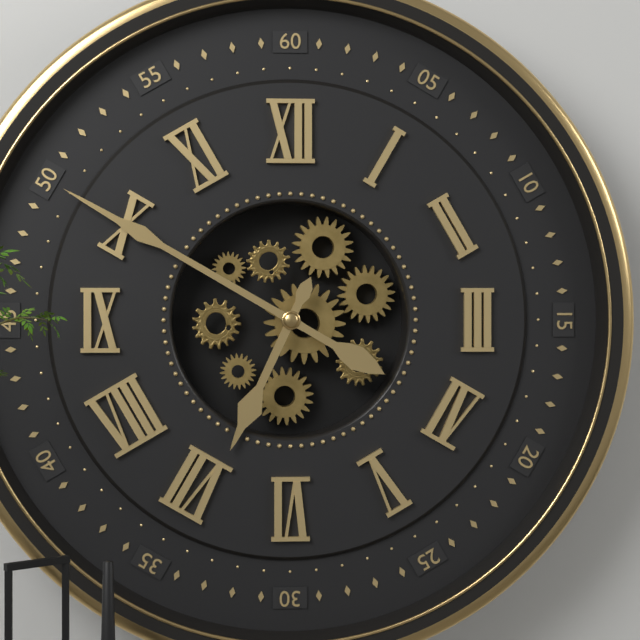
6:50
